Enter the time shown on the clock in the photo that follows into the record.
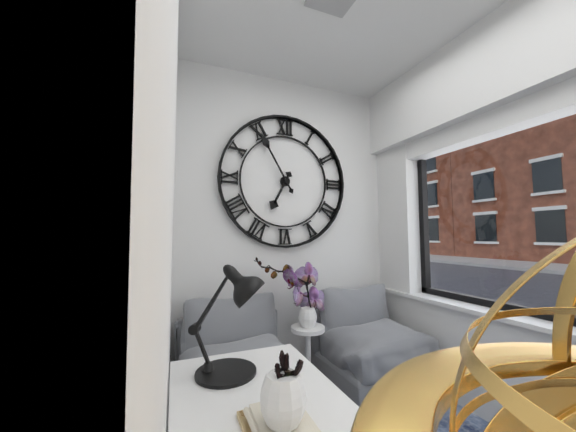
6:55
